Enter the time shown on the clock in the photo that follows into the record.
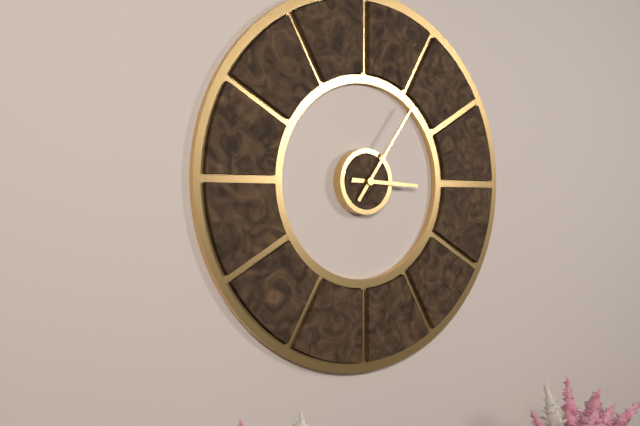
3:06
